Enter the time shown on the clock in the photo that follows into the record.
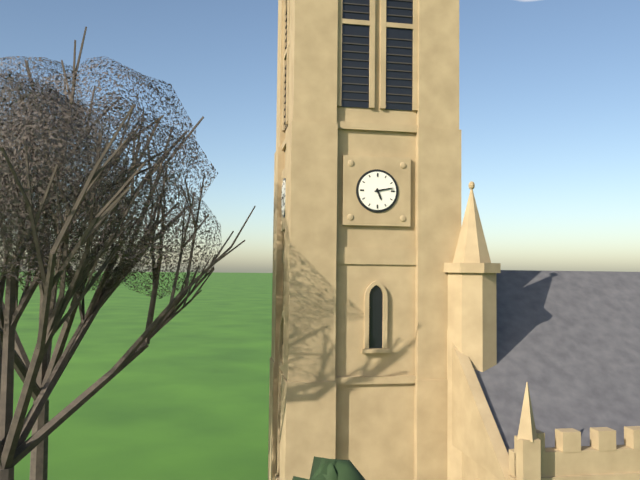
5:13
